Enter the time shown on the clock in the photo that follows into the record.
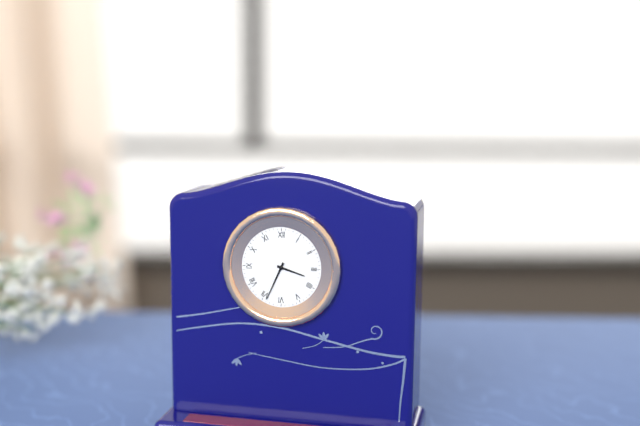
3:34
